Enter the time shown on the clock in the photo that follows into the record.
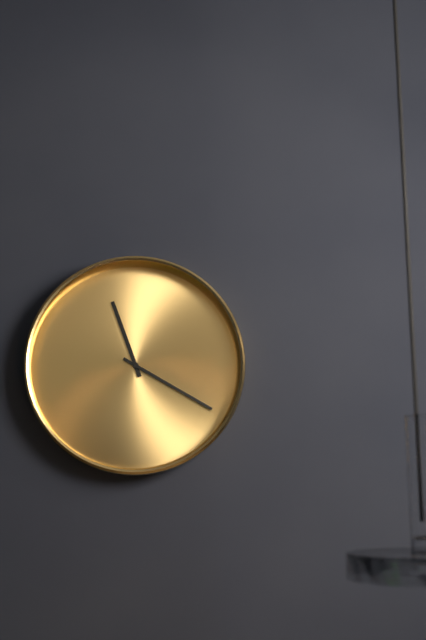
11:20
